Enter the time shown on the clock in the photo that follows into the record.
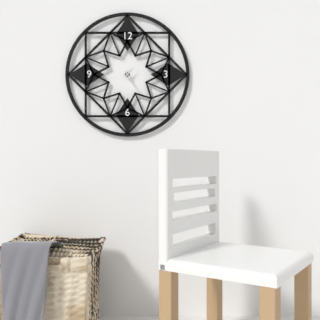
1:25
